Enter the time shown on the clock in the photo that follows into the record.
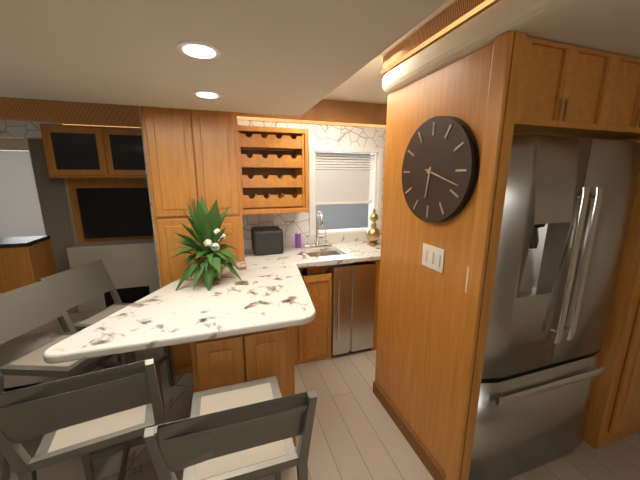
6:18
